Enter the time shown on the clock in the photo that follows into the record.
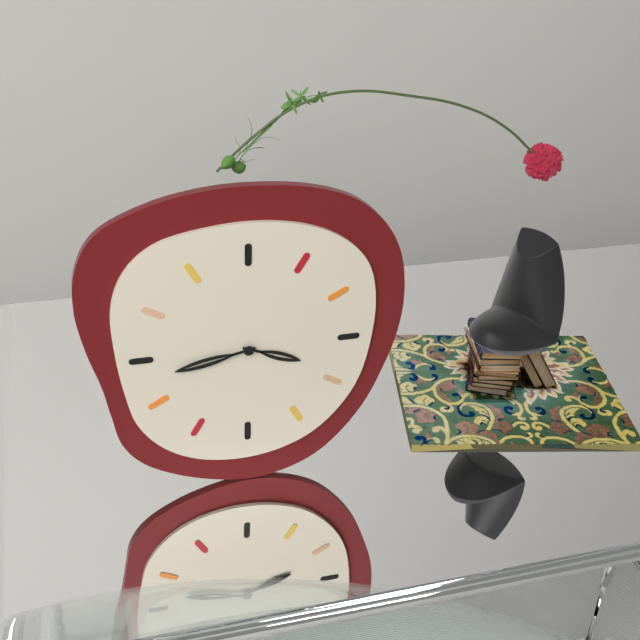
3:43
